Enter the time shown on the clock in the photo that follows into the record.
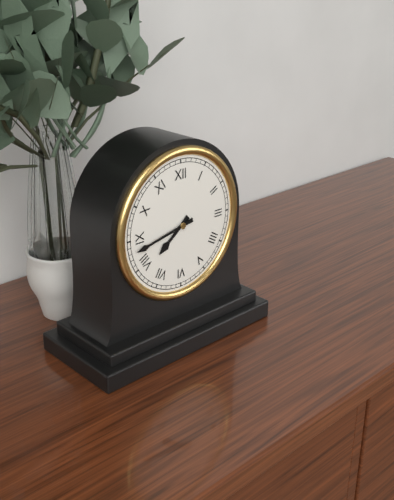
7:43
